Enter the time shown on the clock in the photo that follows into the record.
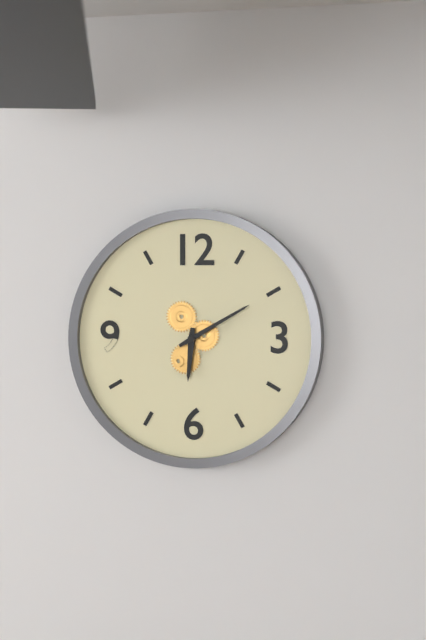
6:10
